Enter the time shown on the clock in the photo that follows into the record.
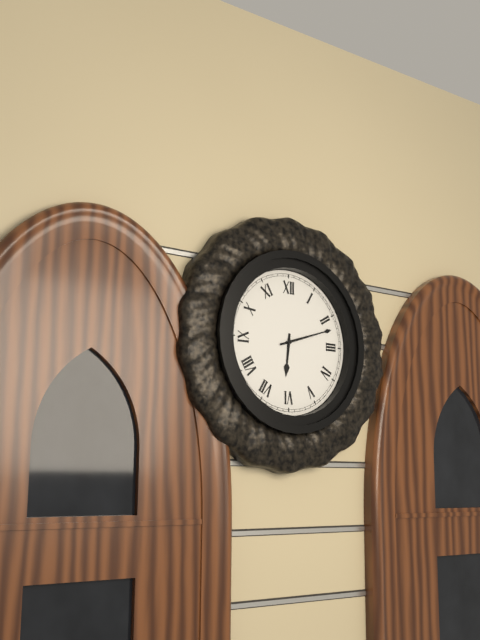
6:12
